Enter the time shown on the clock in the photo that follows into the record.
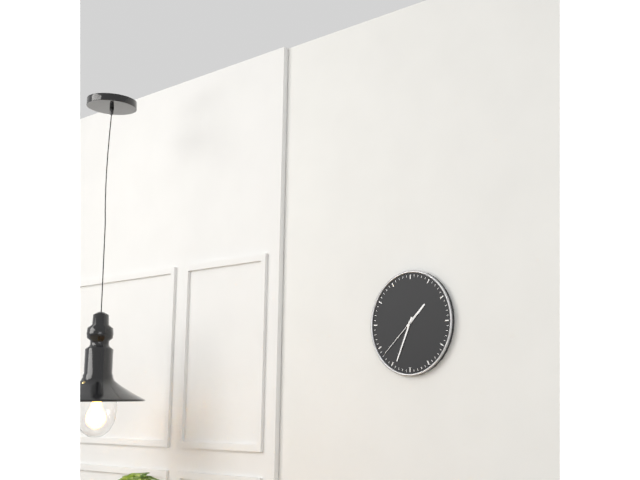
1:34
